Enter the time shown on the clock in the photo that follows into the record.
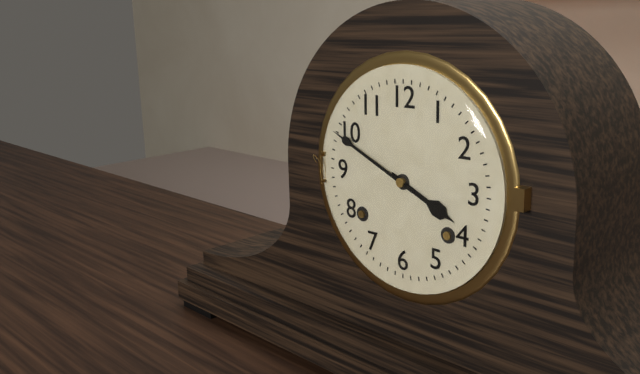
3:49
